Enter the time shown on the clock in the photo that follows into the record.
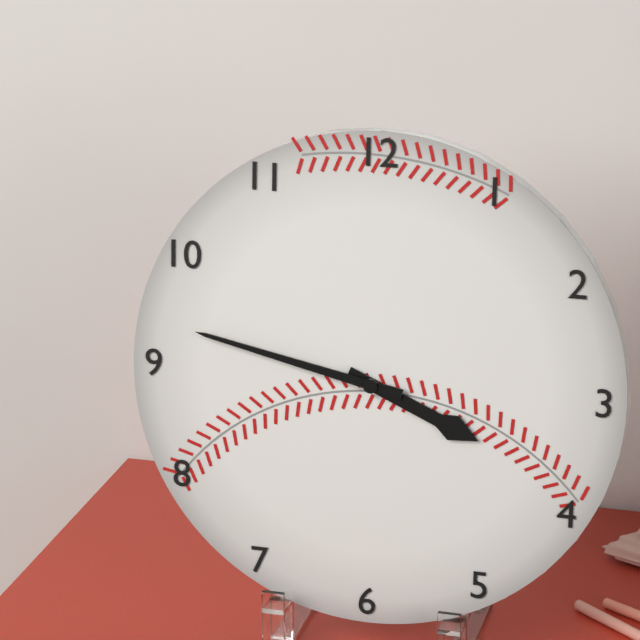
3:47
